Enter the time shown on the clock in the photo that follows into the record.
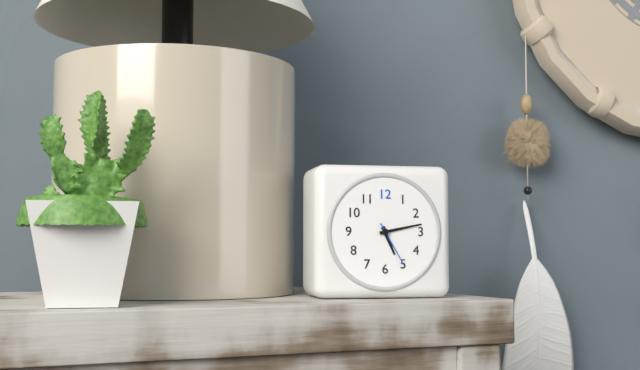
5:13
